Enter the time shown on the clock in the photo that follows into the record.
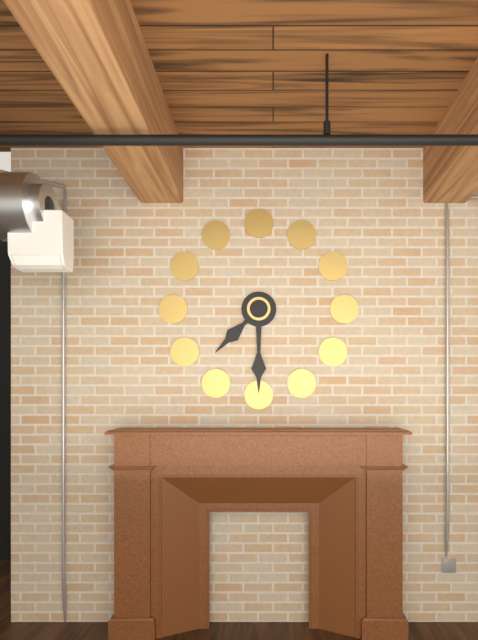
7:30
